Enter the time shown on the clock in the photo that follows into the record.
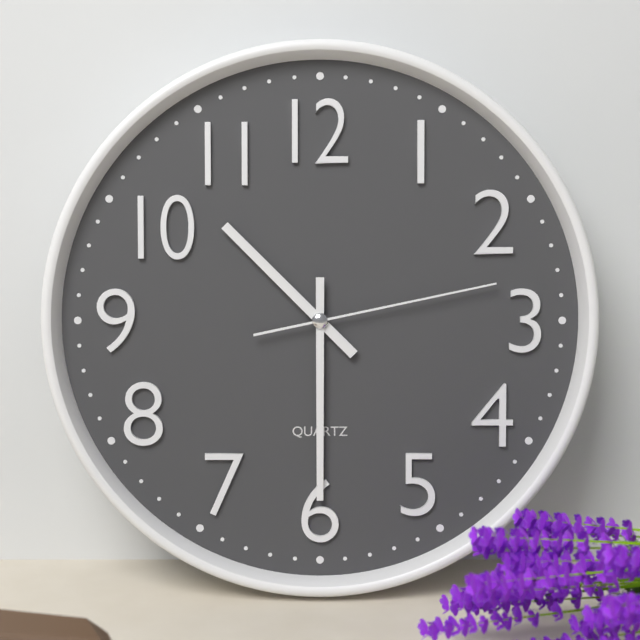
10:30:13
